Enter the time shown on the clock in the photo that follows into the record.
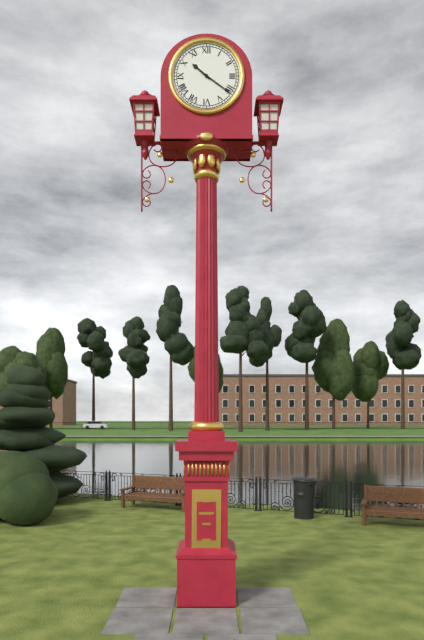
10:21
